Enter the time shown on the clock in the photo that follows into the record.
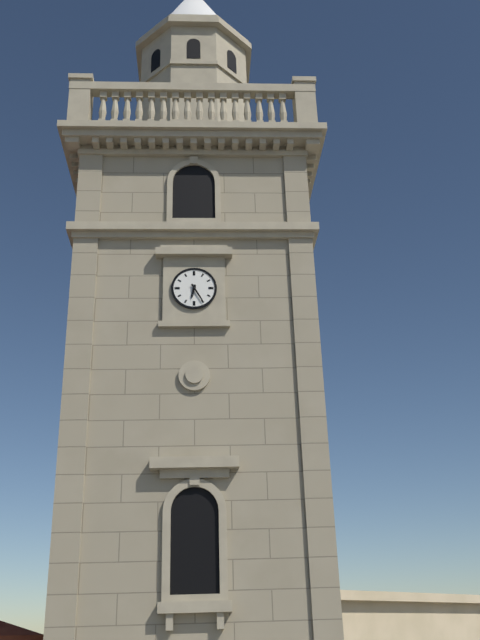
6:25
